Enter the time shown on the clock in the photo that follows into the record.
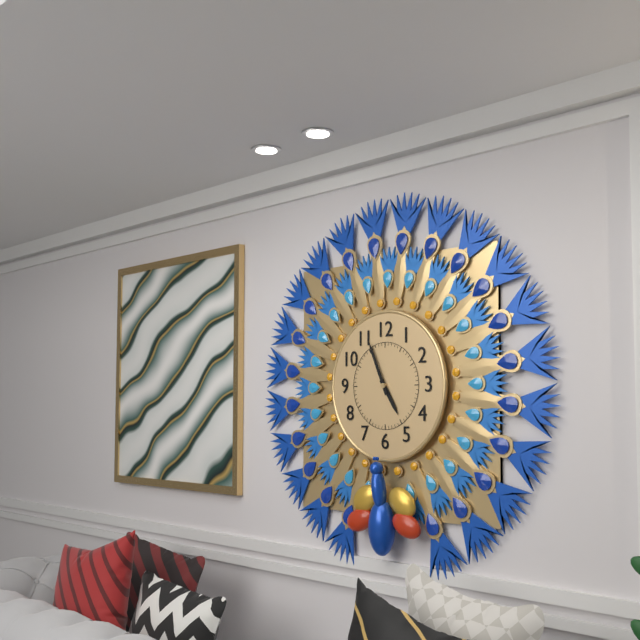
4:56
